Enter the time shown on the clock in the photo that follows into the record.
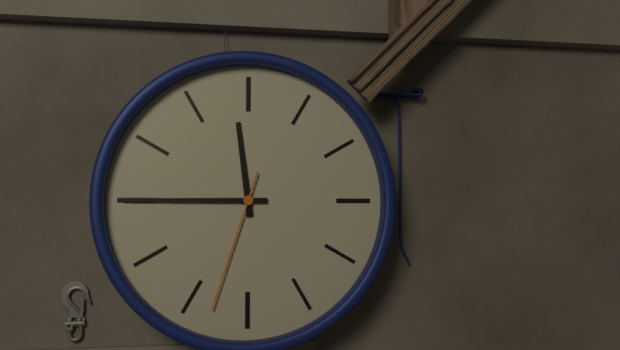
11:45:33
